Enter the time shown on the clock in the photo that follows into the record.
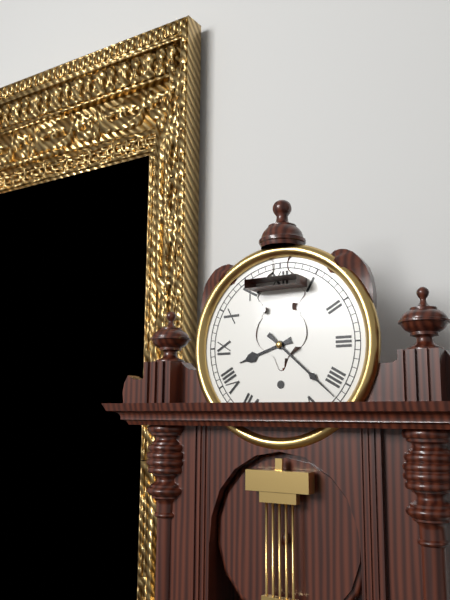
8:22
